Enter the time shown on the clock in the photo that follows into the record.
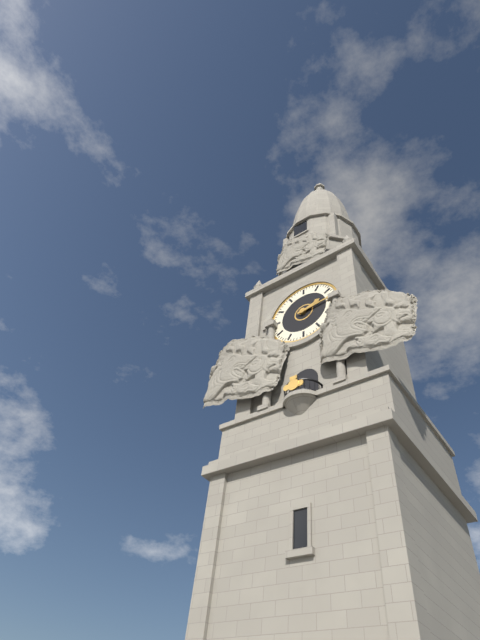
2:14
